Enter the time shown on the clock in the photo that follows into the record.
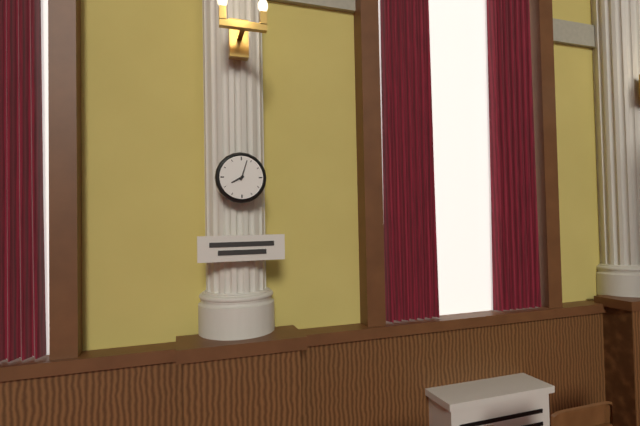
8:03
